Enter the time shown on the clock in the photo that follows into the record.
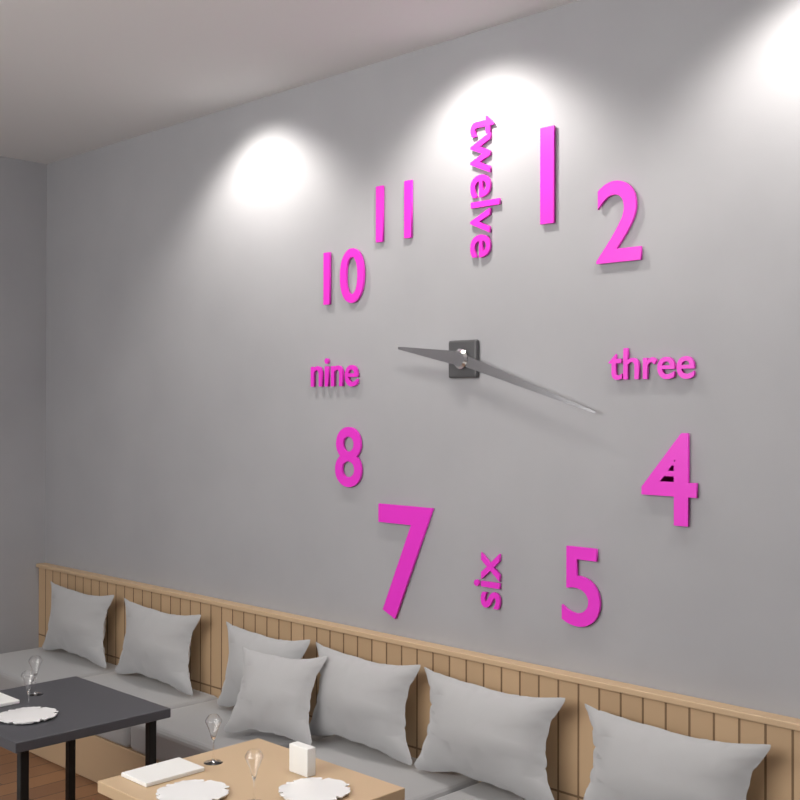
9:18
